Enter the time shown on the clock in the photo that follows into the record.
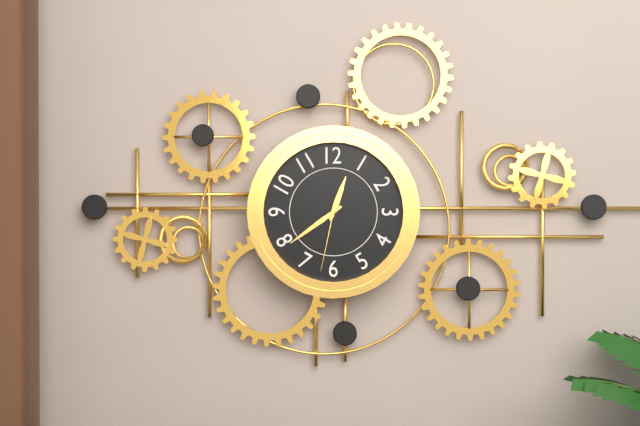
12:39:32
